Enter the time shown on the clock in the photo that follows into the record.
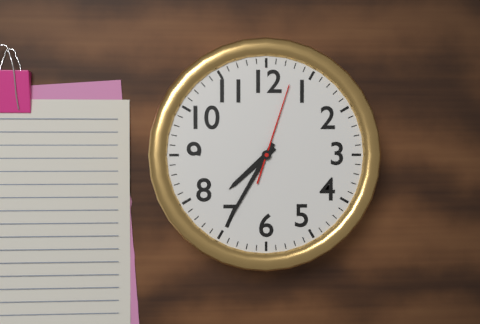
7:35:03
